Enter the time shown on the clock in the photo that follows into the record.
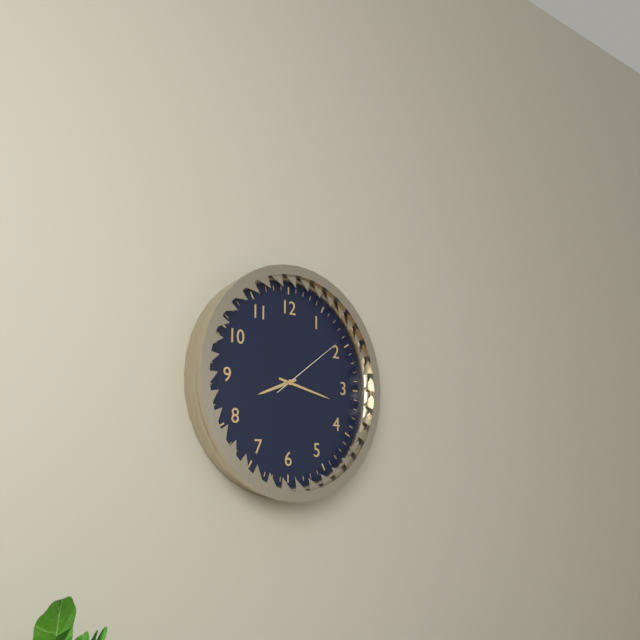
8:17:09
